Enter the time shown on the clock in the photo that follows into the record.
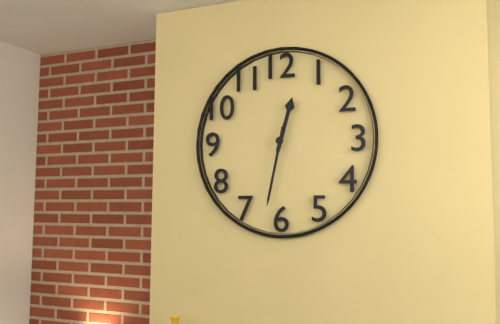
12:32
